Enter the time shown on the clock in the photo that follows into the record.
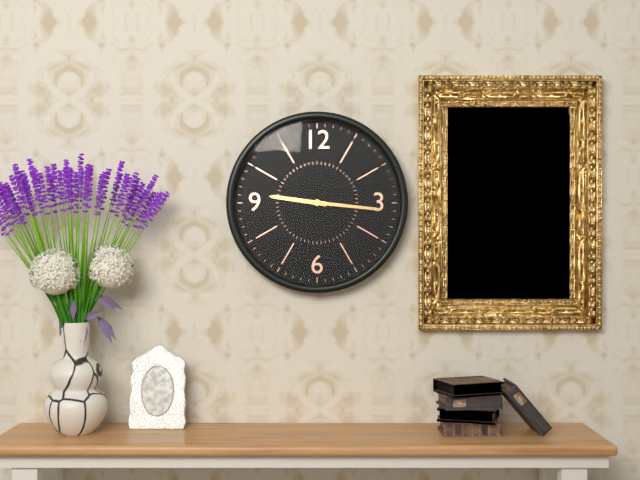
9:16
